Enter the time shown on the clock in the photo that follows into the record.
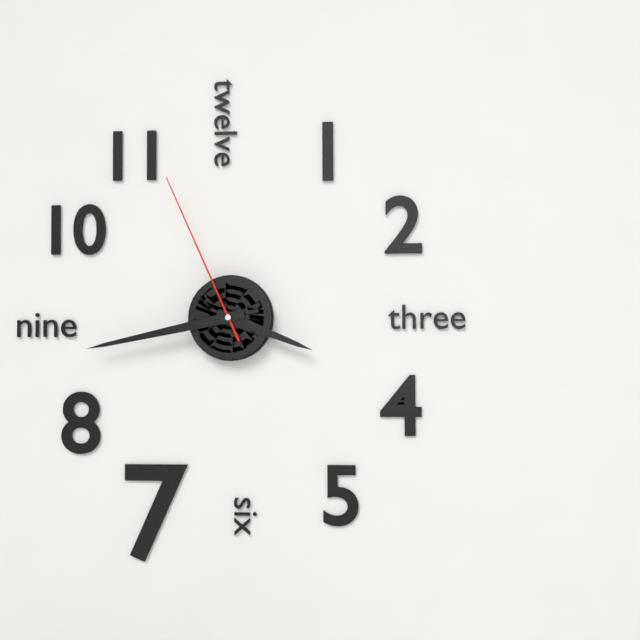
3:43:56
